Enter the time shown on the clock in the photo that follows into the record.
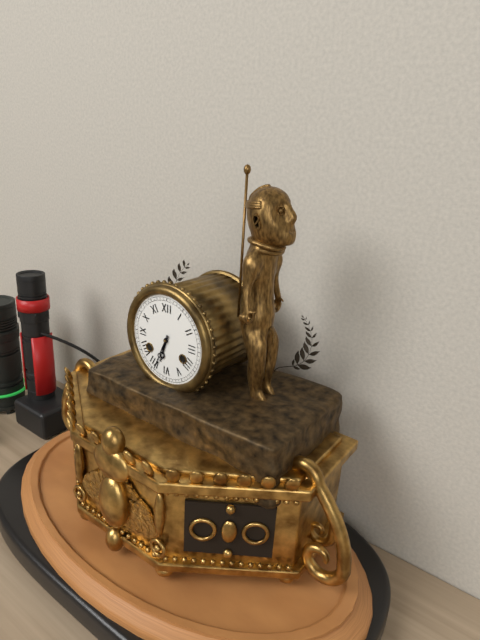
6:34
